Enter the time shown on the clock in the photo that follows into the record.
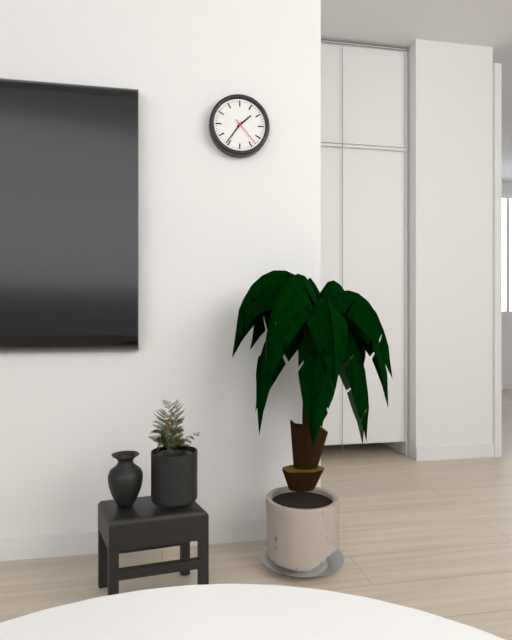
1:36
